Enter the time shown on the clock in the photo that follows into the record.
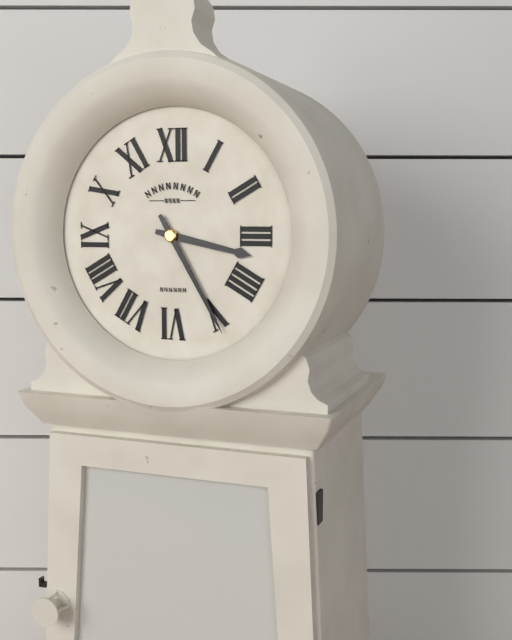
3:25
